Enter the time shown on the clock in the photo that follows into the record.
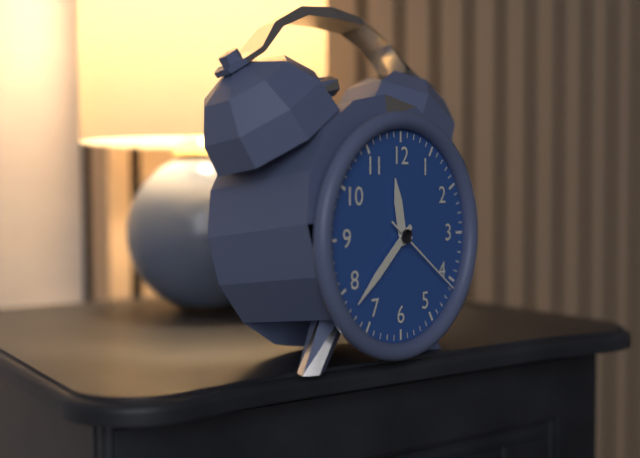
11:38:21
